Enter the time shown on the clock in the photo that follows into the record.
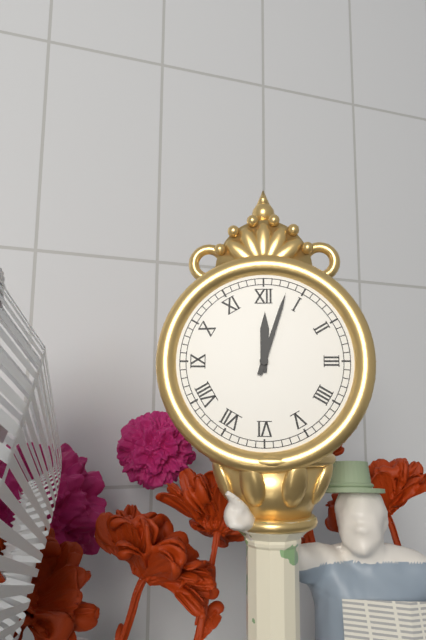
12:03
